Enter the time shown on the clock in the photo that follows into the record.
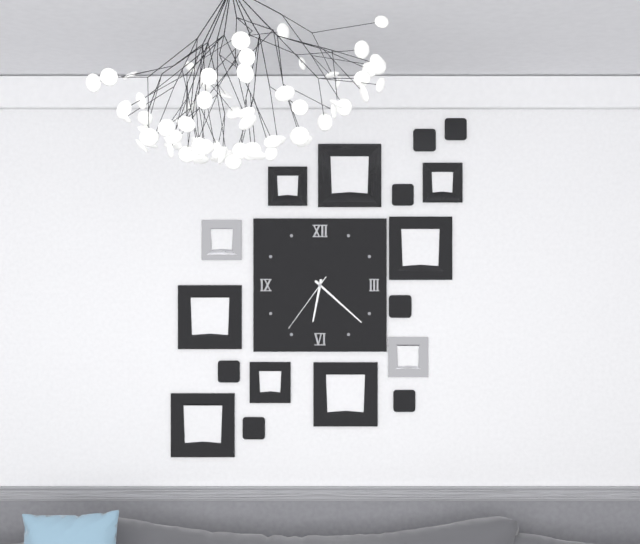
6:22:36
